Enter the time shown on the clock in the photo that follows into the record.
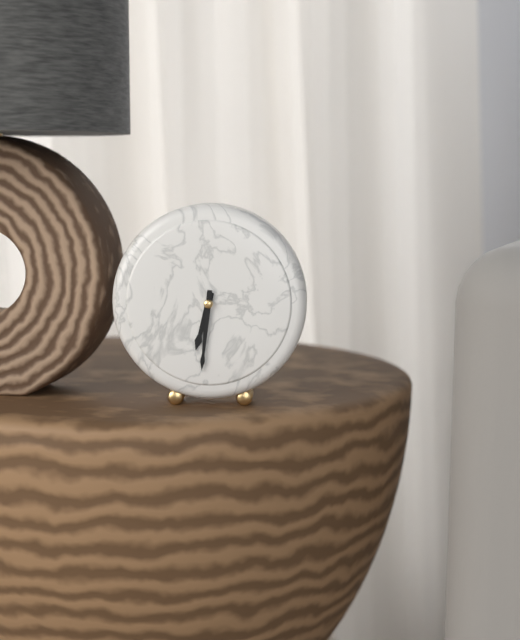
6:31
